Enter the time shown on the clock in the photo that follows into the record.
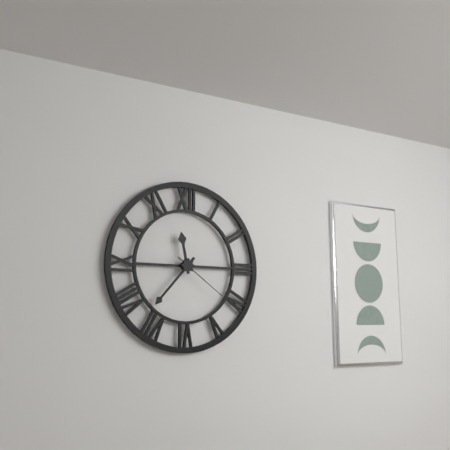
11:37:21
